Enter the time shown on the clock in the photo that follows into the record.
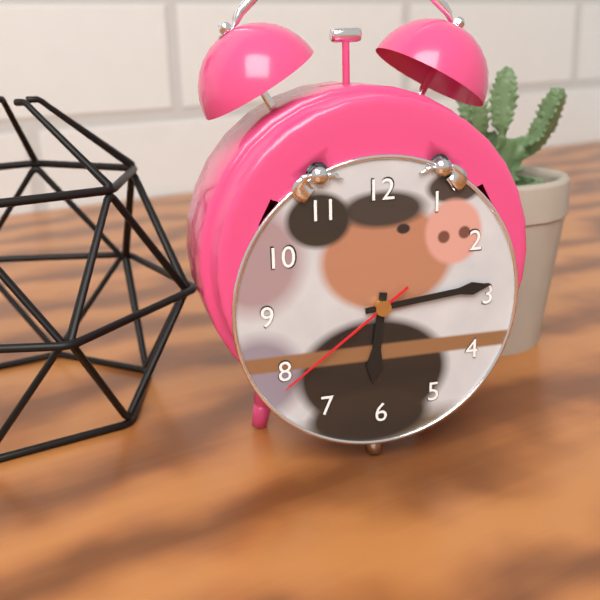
6:14:39
